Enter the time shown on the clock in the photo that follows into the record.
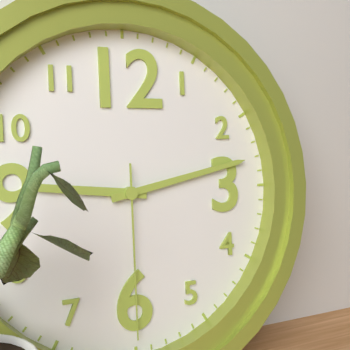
9:13:30
